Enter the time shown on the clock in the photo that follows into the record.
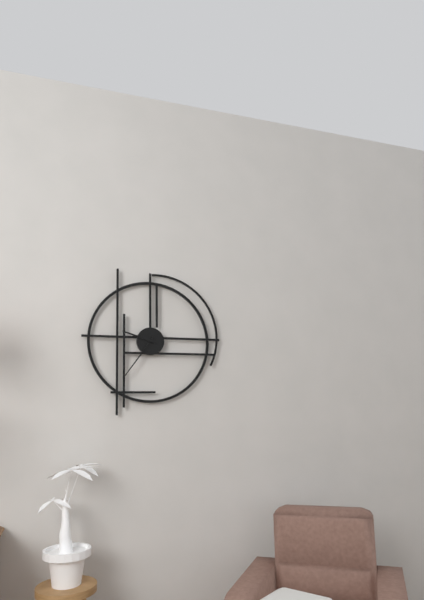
9:36
